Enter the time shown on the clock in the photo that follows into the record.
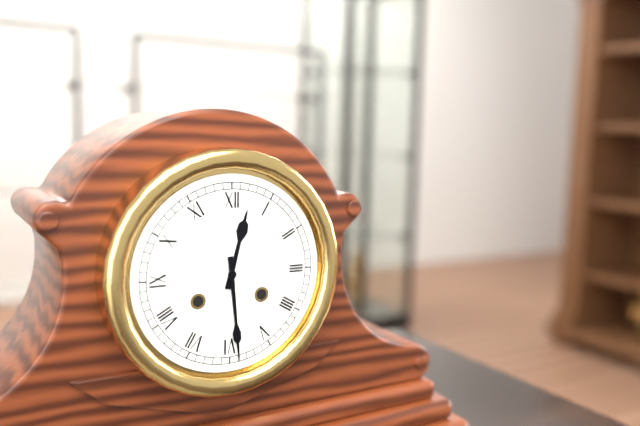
12:29
